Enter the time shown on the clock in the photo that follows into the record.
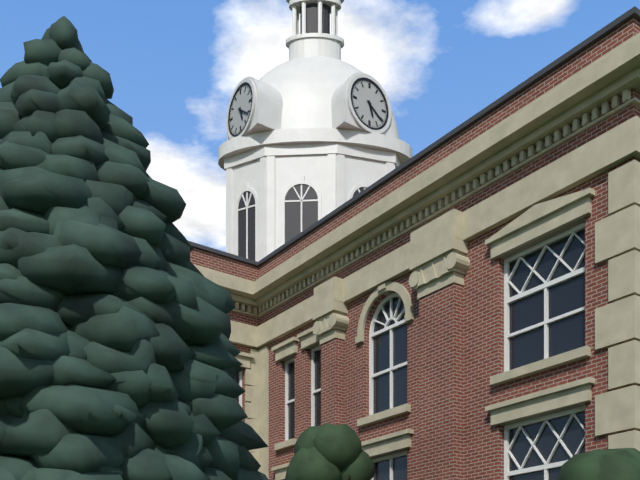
5:21
